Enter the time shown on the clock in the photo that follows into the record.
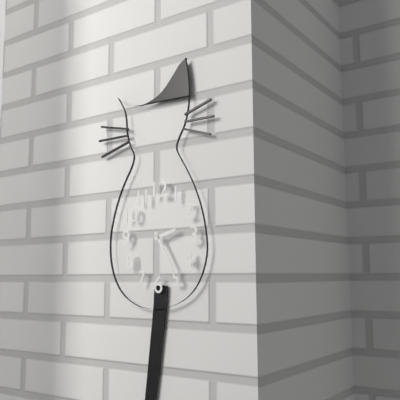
2:25
